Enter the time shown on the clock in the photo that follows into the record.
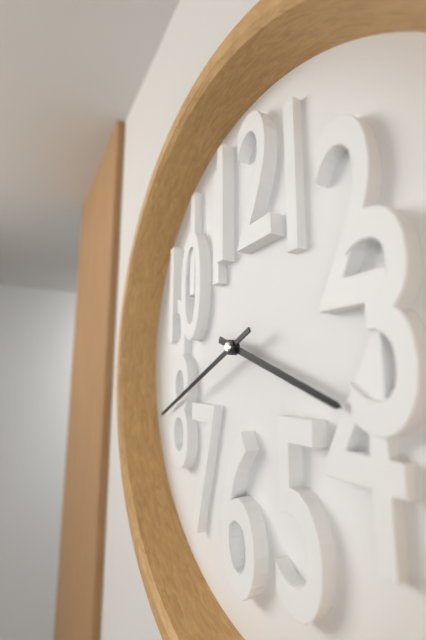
3:41
